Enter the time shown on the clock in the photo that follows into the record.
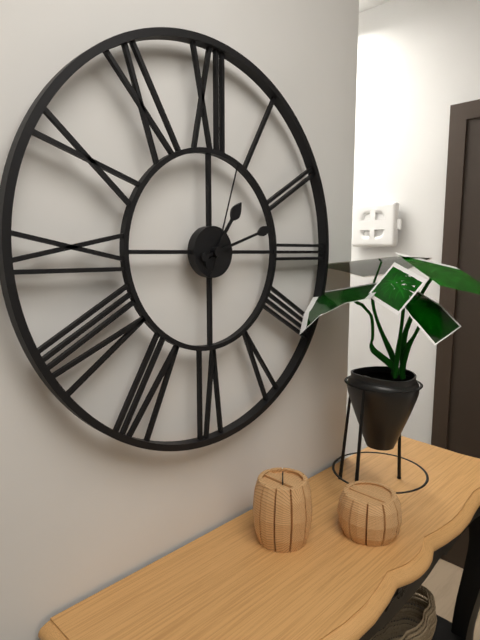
1:12:03
